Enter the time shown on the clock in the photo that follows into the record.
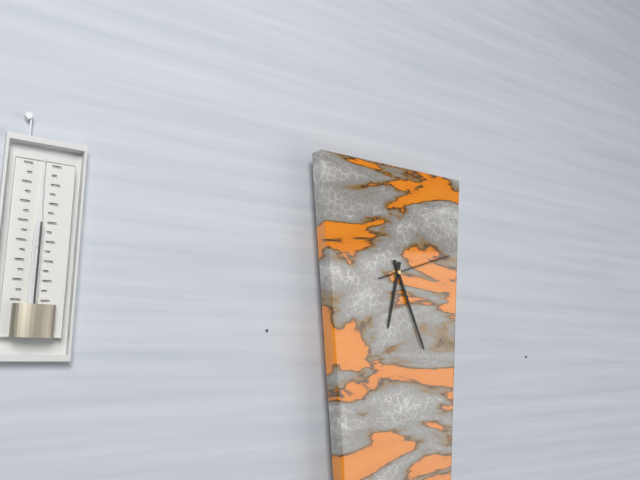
6:26:12
